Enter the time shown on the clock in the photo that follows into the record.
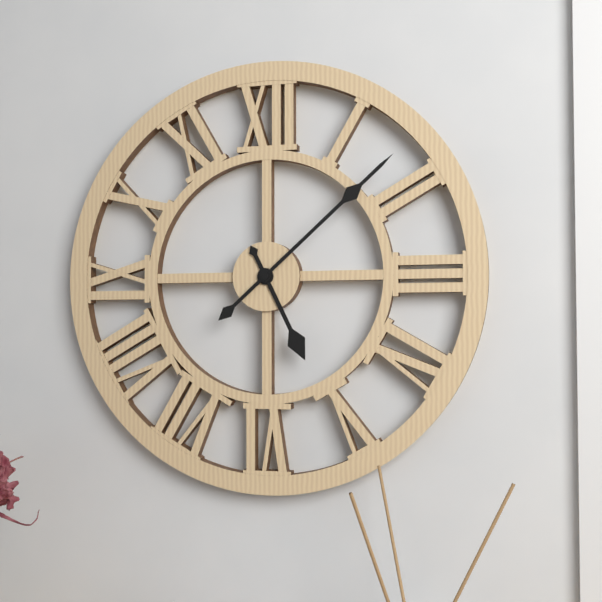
5:08
